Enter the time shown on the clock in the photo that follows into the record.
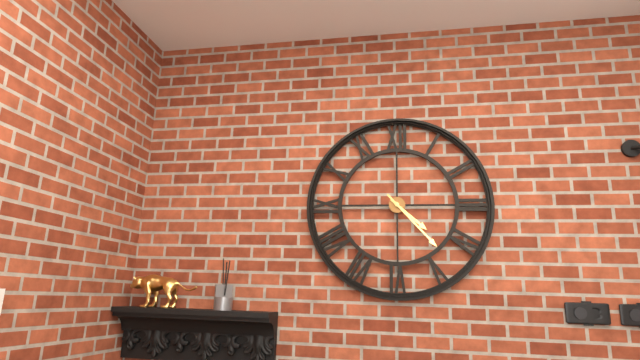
4:23
